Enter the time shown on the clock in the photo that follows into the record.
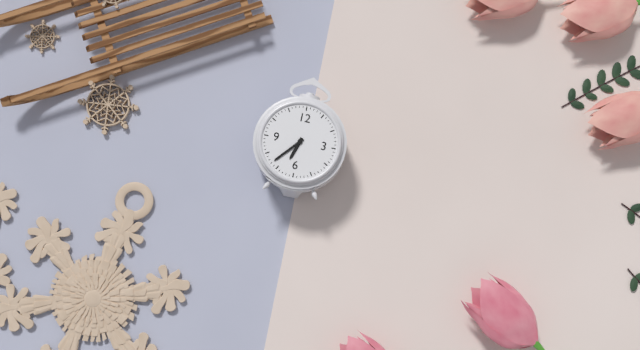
6:37
